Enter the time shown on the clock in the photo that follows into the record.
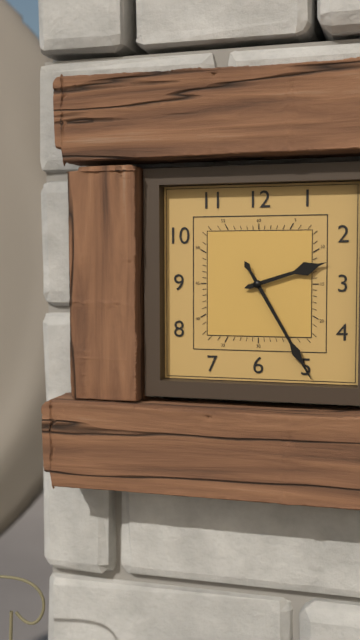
2:25
